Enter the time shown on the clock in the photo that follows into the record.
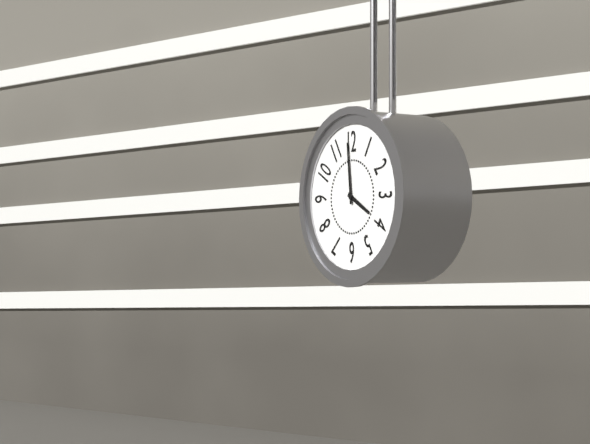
3:59
